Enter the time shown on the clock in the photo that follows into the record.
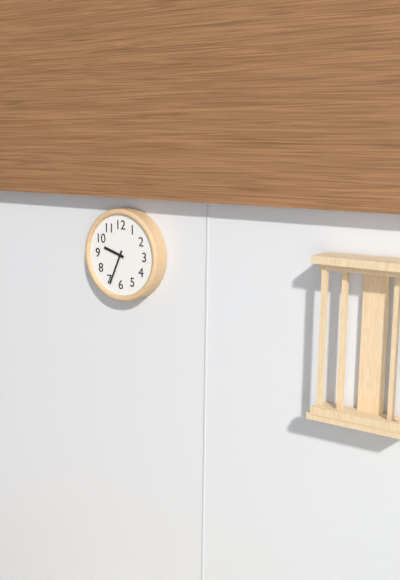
9:34
